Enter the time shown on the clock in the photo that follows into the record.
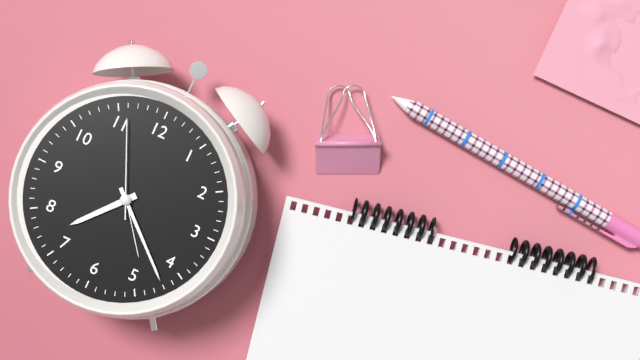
7:22:56
